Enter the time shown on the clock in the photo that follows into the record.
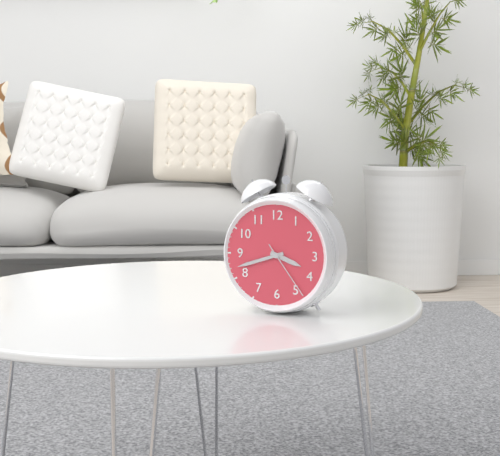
3:42:24
